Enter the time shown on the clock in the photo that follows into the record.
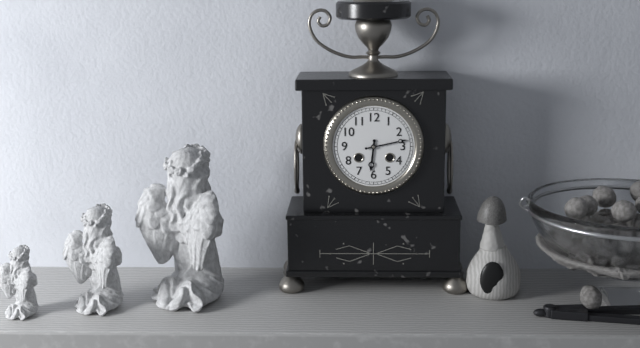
6:13
